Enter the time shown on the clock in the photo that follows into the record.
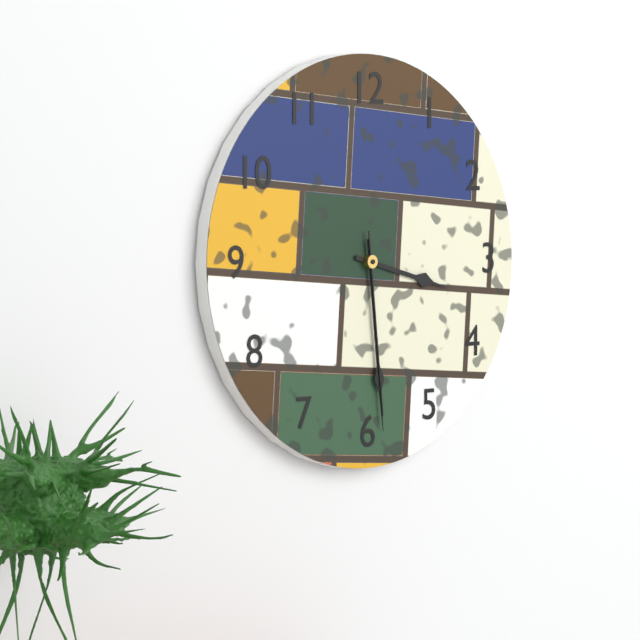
3:29:29
